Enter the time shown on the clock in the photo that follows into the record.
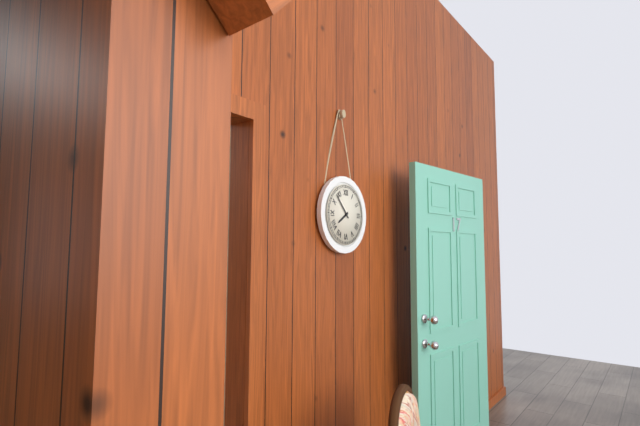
7:53
